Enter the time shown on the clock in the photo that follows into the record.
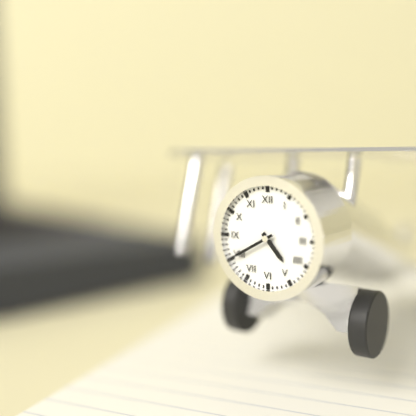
4:40
